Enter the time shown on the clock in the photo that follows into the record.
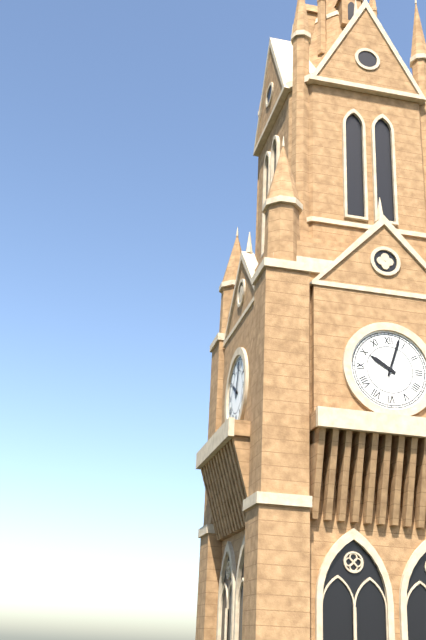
10:03
